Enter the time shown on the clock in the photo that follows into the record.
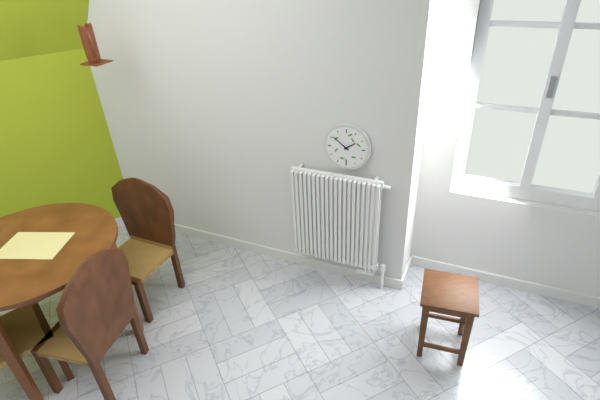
1:51
